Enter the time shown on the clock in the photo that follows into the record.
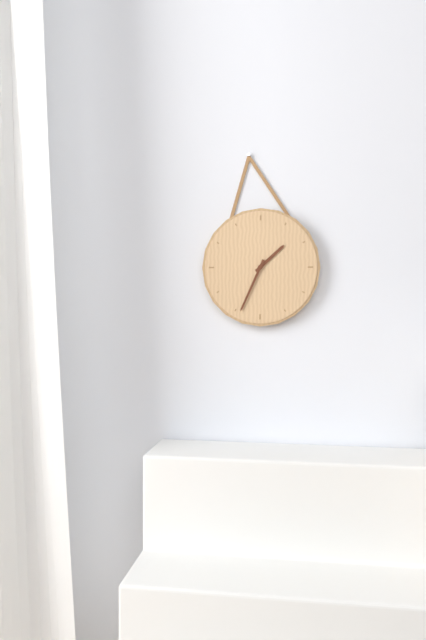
1:34
